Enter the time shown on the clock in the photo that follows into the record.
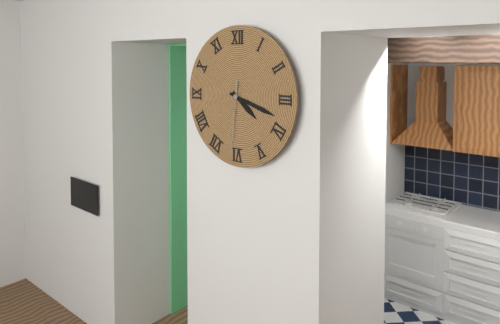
4:18:31
